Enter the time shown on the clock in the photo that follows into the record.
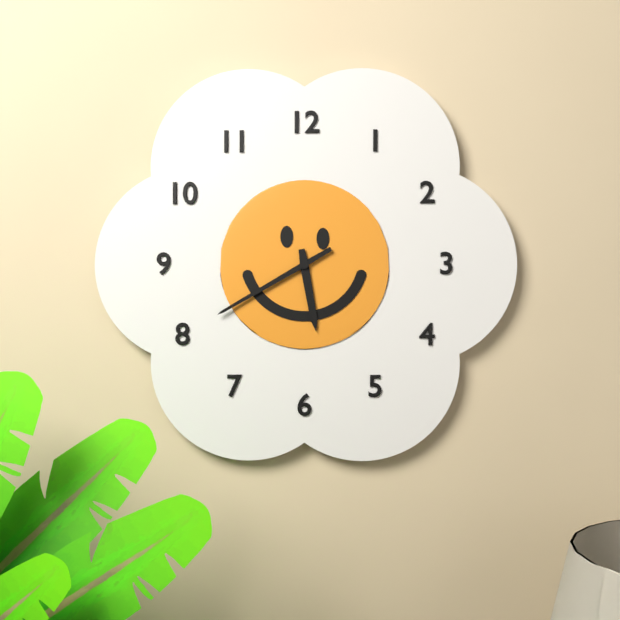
5:40
